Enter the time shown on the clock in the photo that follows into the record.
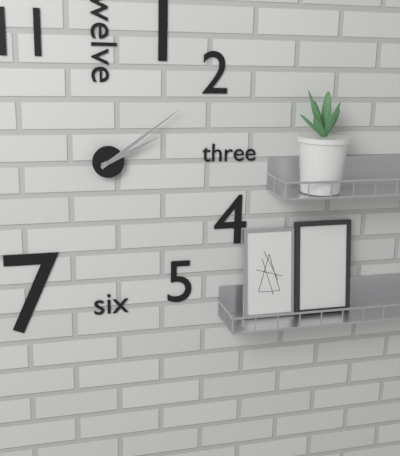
2:09
